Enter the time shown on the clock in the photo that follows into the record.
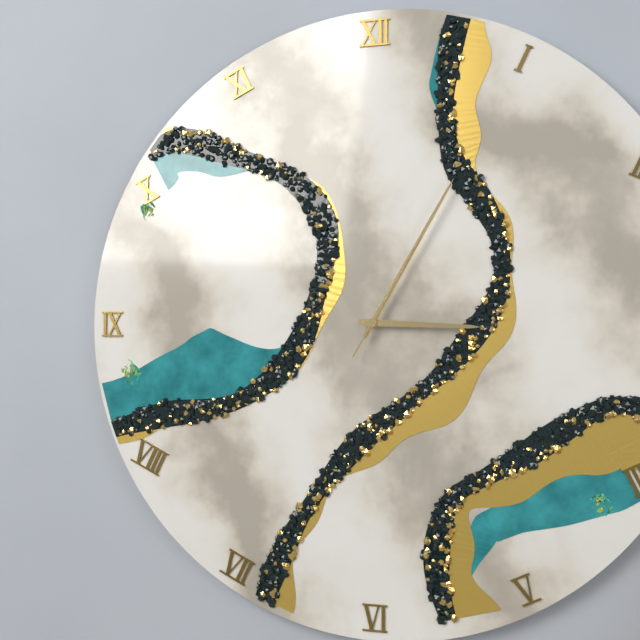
3:05:05
